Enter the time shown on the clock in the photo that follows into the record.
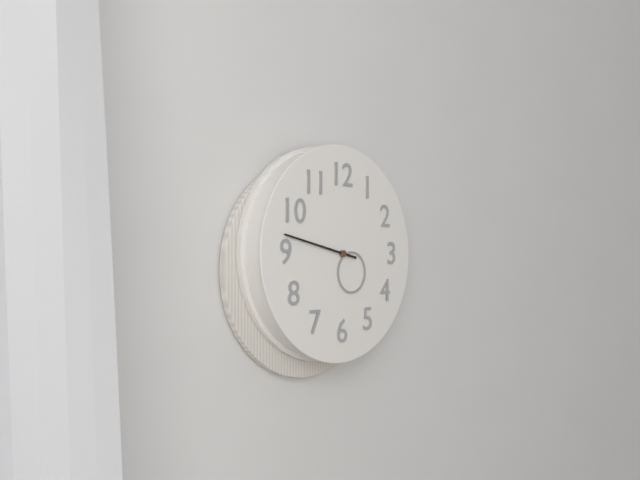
4:47
